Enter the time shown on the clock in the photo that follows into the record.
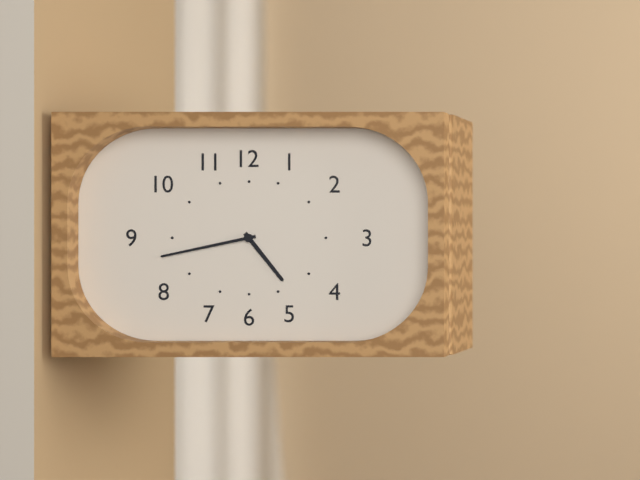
4:43
